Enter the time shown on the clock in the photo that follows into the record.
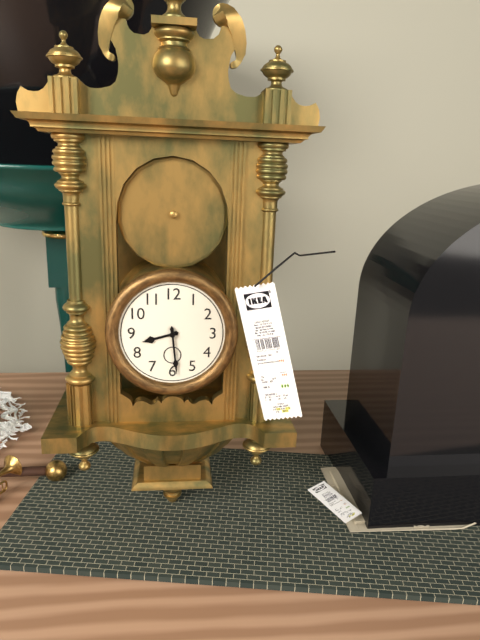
8:29
